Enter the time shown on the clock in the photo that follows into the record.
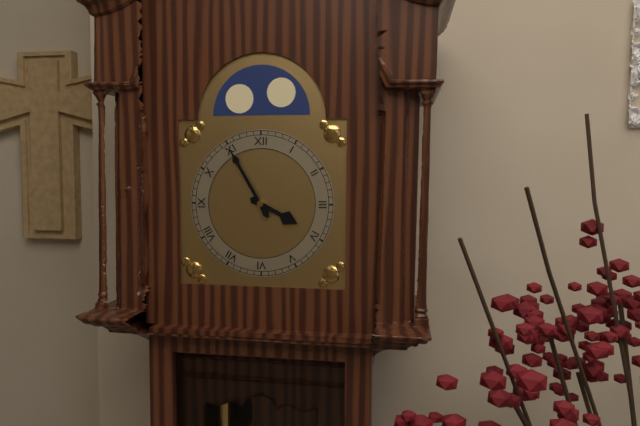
3:55
